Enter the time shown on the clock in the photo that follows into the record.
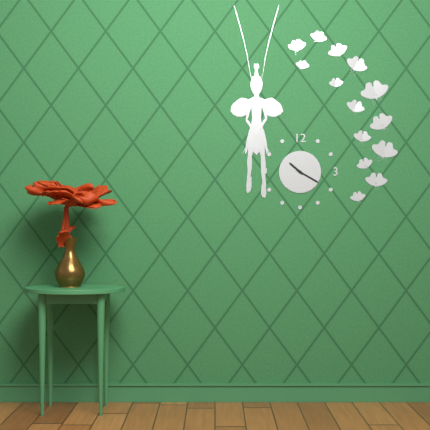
10:20
